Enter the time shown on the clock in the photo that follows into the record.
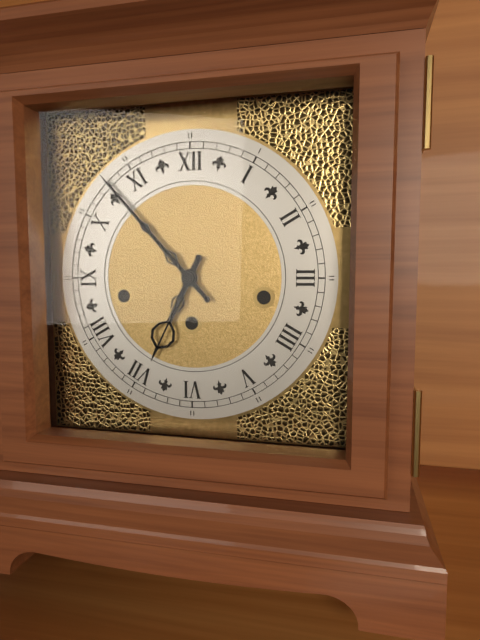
6:53
